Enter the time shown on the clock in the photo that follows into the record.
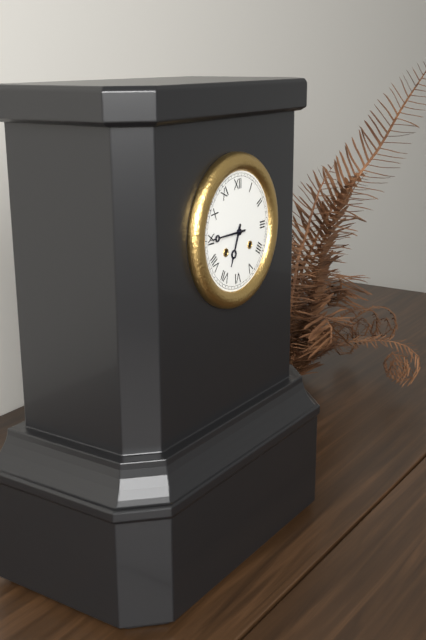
6:45
